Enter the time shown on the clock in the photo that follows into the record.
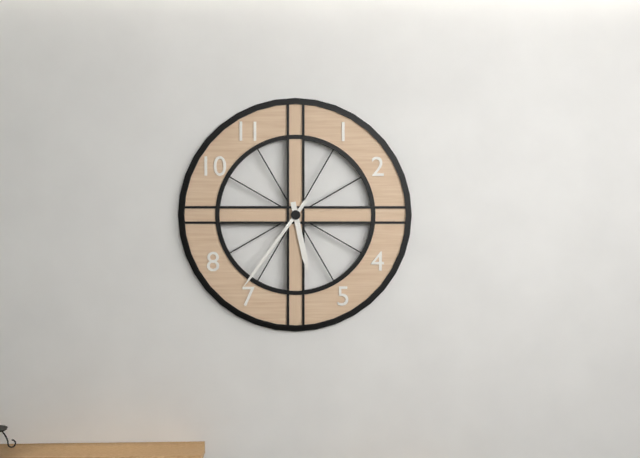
5:36
